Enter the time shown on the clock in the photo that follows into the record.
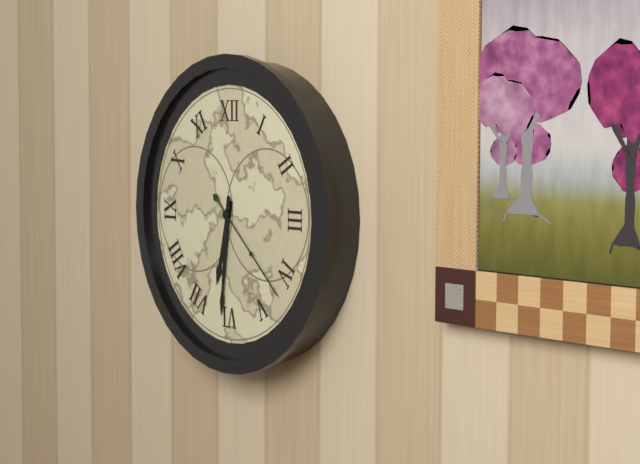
6:31:22
